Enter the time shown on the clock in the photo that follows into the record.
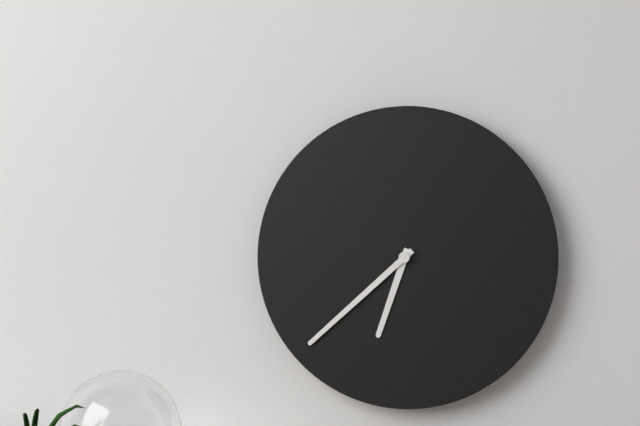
6:38
